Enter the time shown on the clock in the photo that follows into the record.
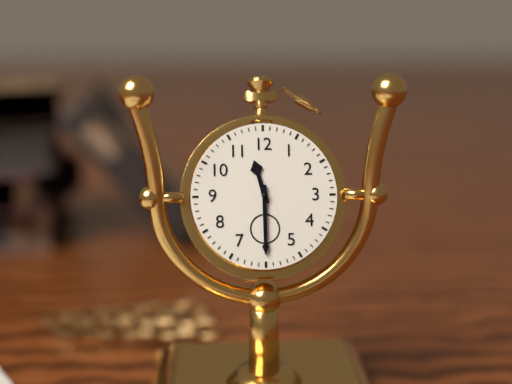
11:30
